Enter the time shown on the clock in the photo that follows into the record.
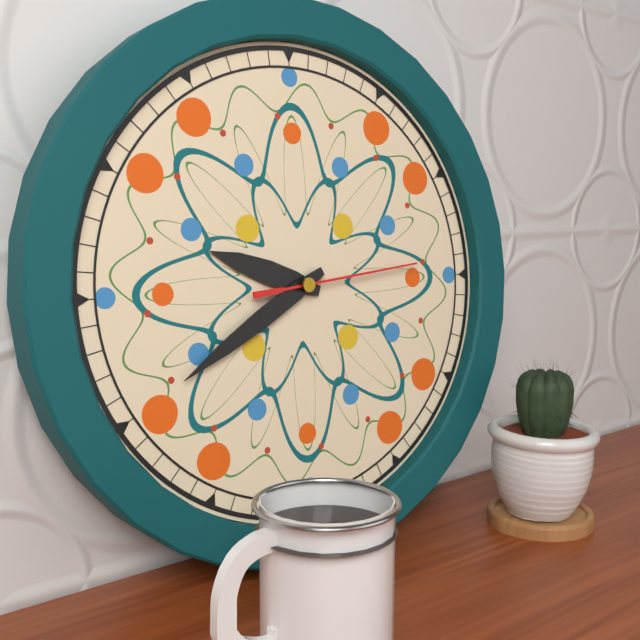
9:40:14
